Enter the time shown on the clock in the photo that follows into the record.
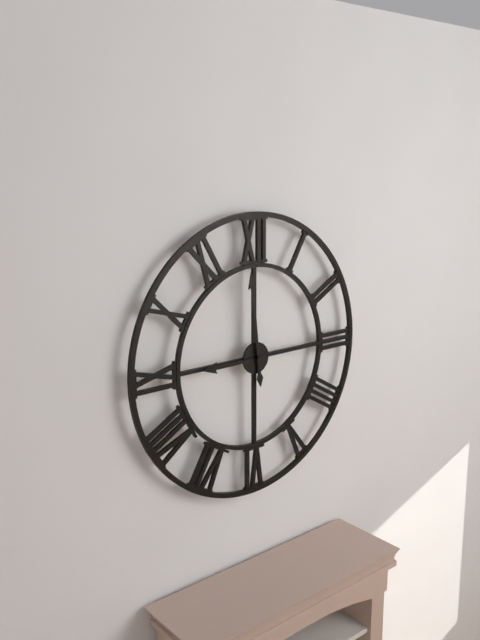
8:59
